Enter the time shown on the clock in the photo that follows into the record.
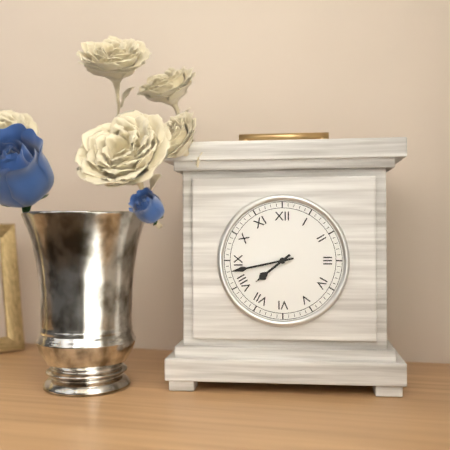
7:43
